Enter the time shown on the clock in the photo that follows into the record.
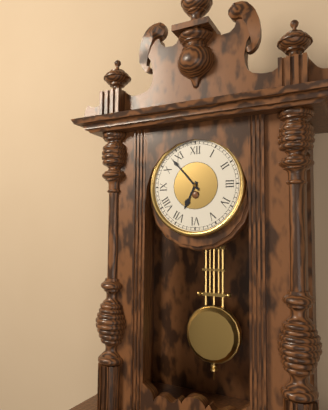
6:53
